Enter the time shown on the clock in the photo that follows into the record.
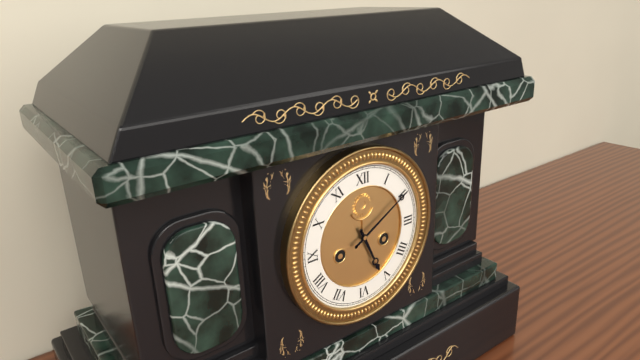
5:10
